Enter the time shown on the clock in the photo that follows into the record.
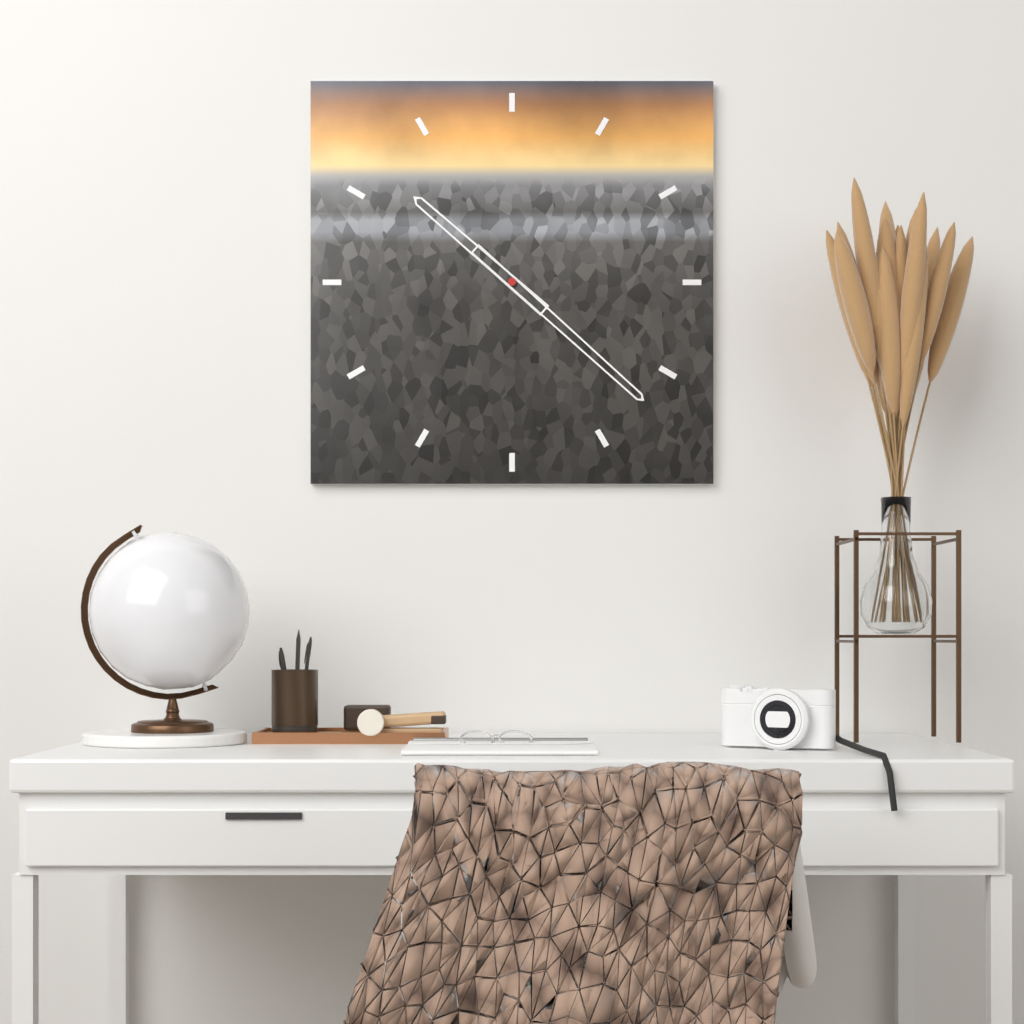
10:22
